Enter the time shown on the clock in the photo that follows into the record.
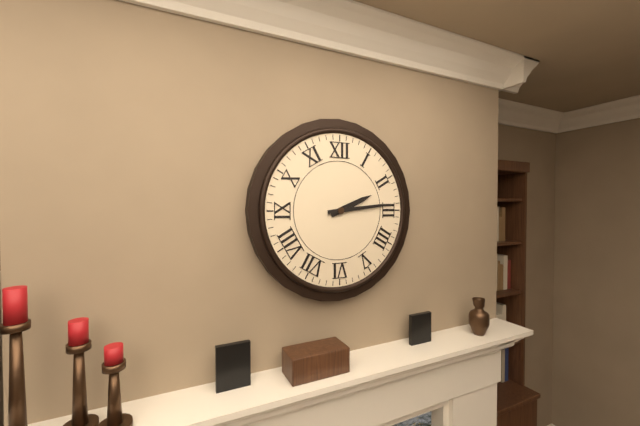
2:14
